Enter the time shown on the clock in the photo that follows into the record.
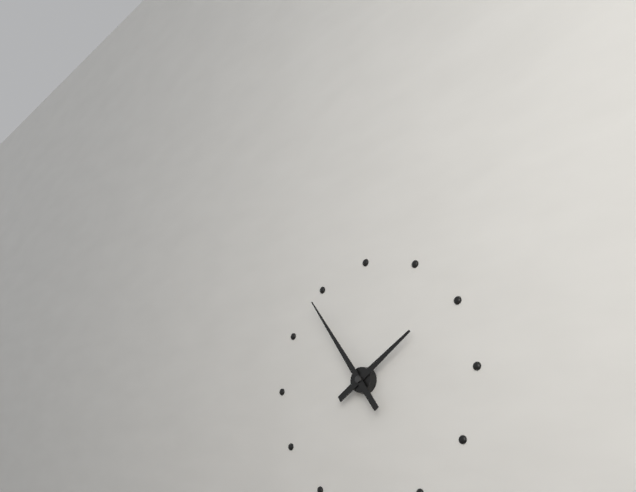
1:54
